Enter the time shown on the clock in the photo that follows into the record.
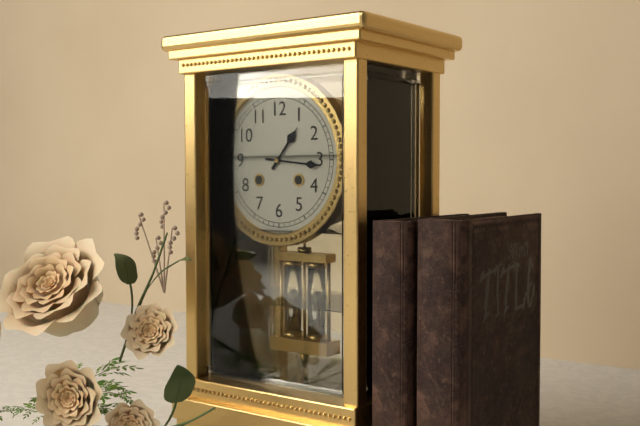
1:16
